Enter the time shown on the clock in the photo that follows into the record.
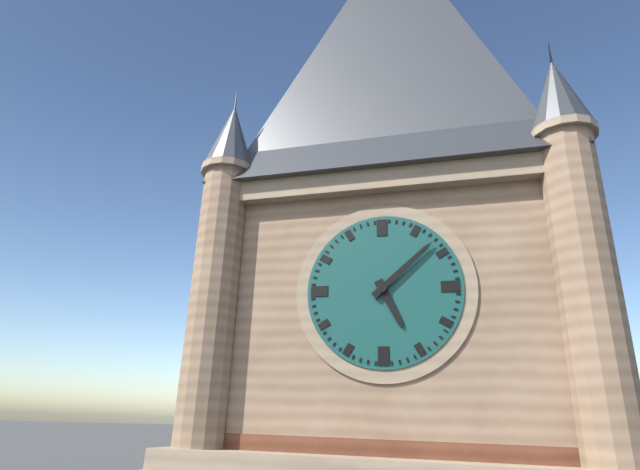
5:08
